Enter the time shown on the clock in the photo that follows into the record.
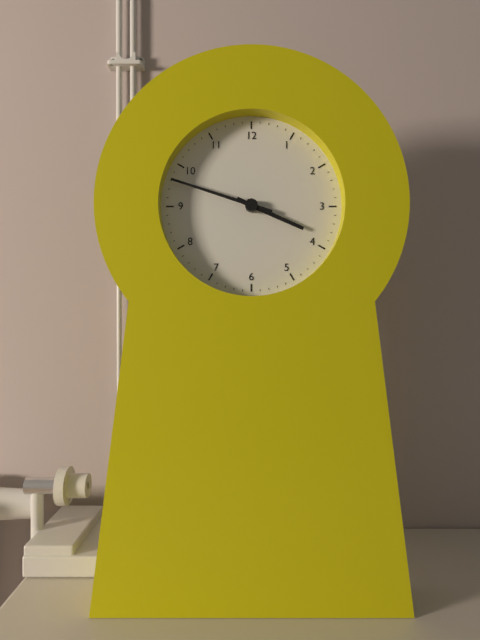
3:48
